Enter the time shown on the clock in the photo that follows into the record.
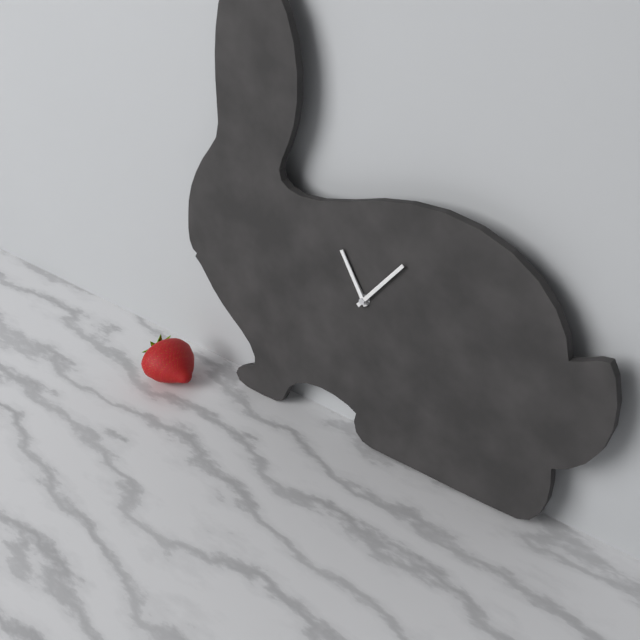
10:55:07
